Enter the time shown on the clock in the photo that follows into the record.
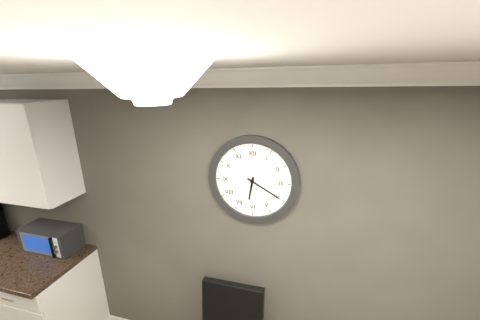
6:20
